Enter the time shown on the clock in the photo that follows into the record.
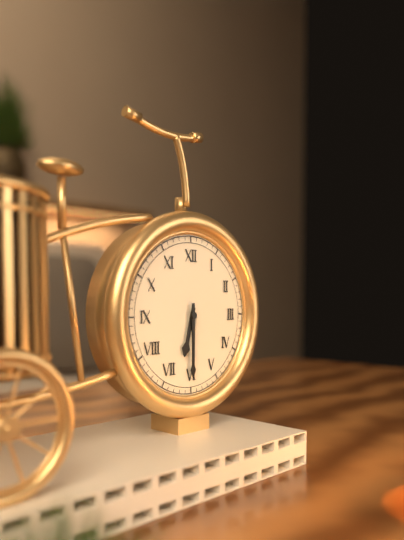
6:30
